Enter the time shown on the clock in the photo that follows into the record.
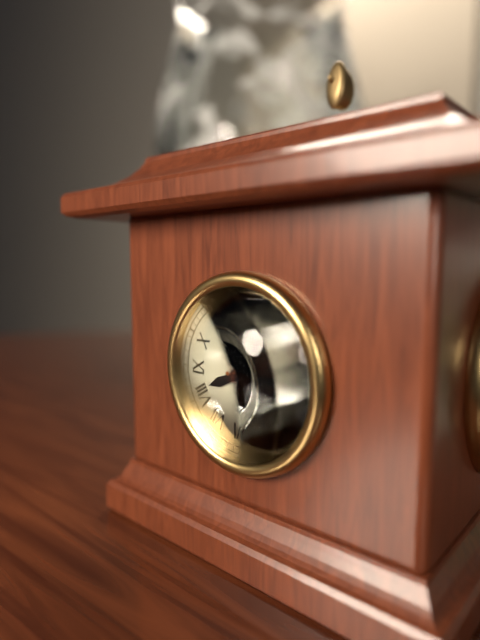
8:15:15
